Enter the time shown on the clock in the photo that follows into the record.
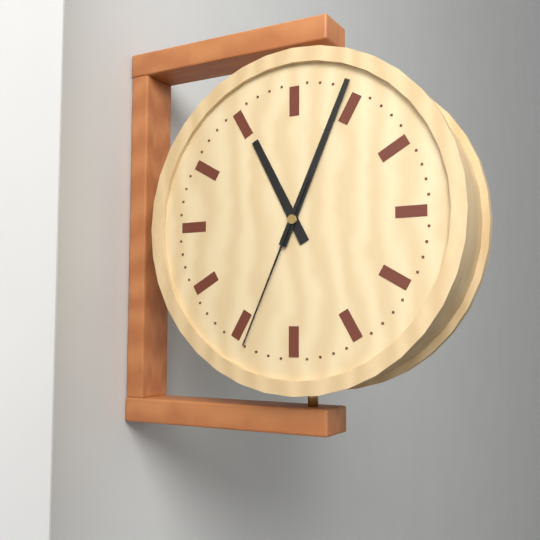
11:04:34
